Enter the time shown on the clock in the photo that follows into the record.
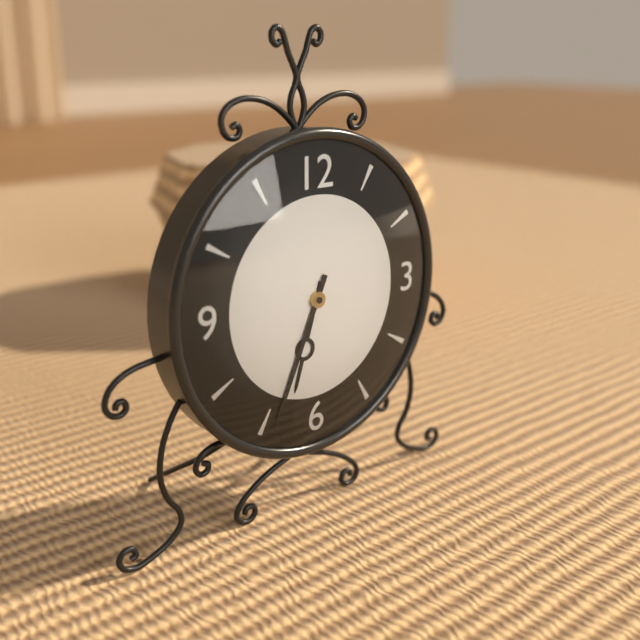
6:34
